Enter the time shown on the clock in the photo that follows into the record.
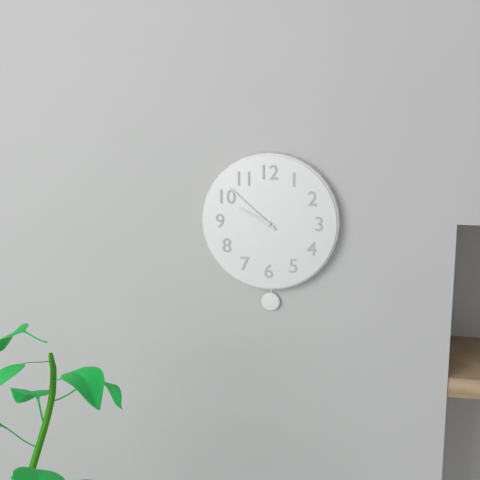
9:52
